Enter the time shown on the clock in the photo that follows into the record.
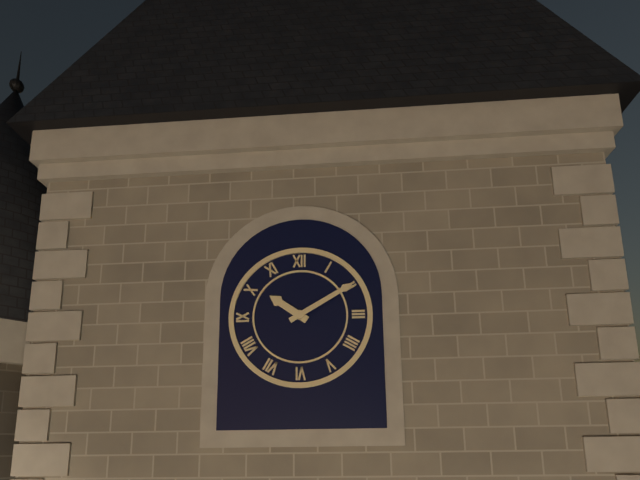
10:10
